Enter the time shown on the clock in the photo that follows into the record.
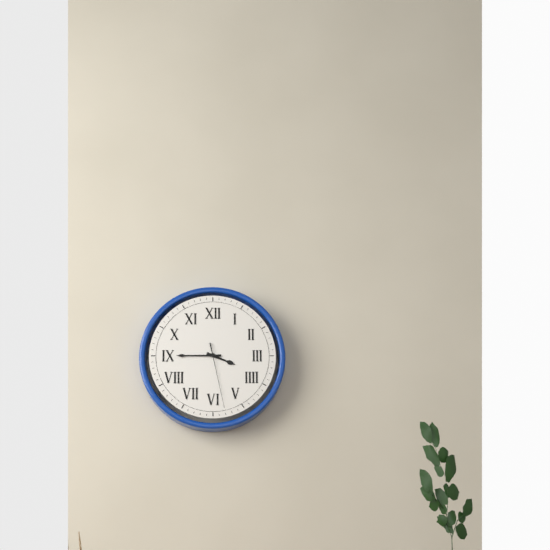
3:45:28
